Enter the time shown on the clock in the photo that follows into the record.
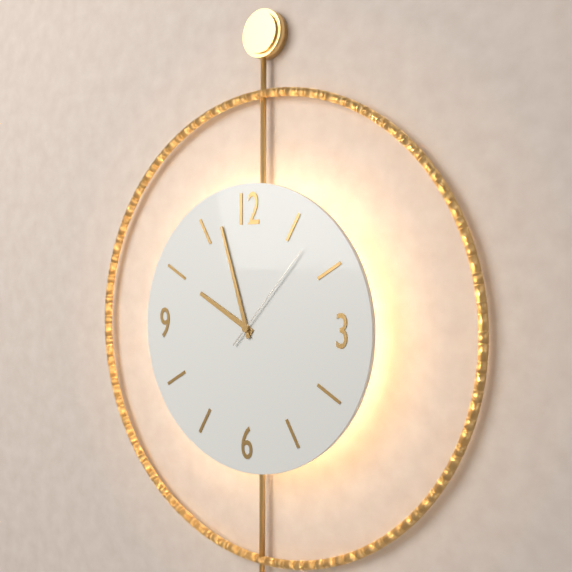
9:57:07
